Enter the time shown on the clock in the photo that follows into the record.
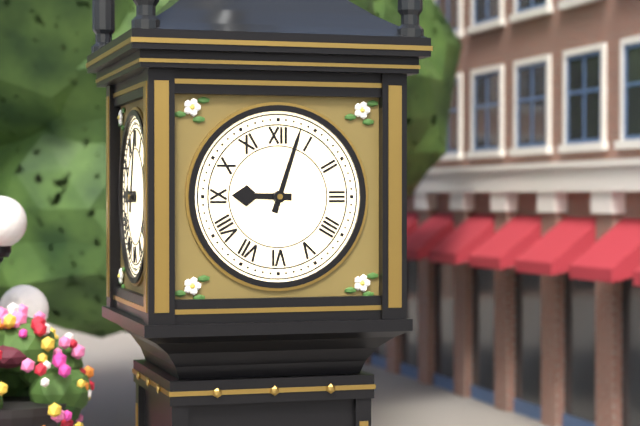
9:03
